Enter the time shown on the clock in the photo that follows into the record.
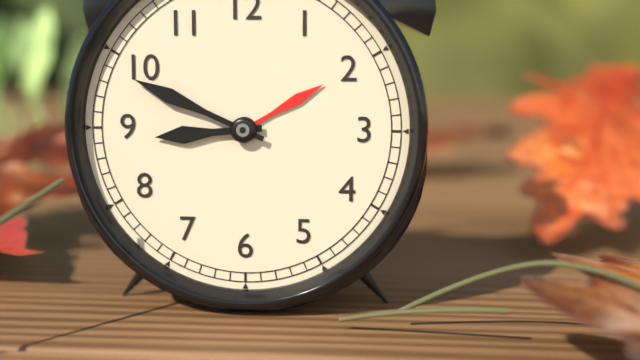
8:49
